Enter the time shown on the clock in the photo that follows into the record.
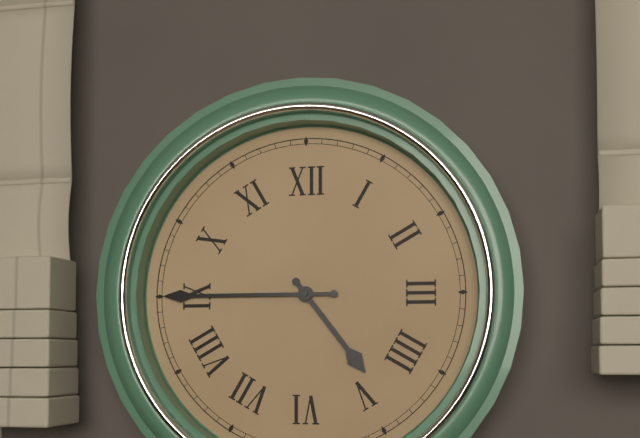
4:45
